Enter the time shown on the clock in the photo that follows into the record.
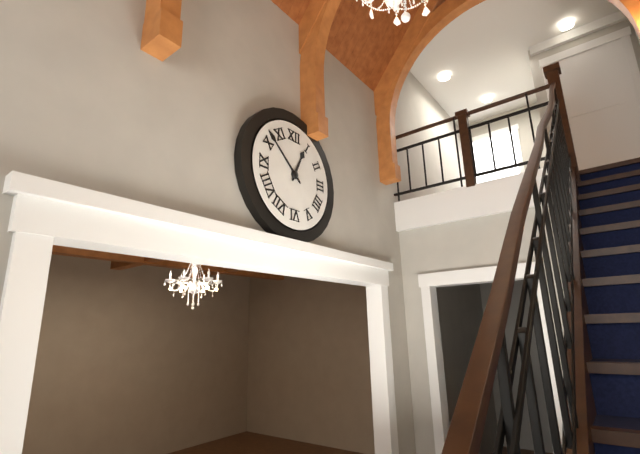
12:52
